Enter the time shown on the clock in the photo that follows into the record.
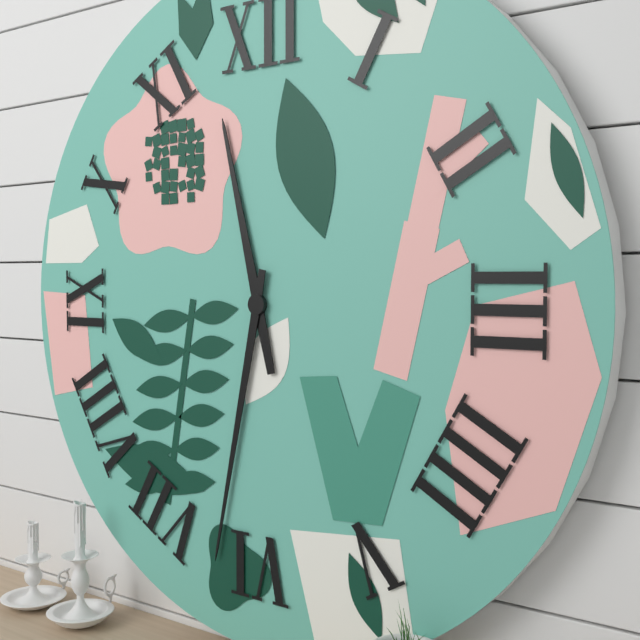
11:32
